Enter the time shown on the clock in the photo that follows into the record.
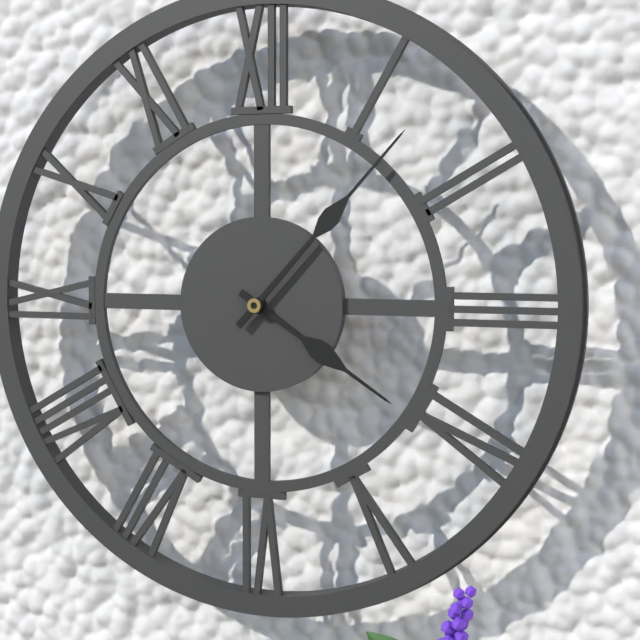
4:07
